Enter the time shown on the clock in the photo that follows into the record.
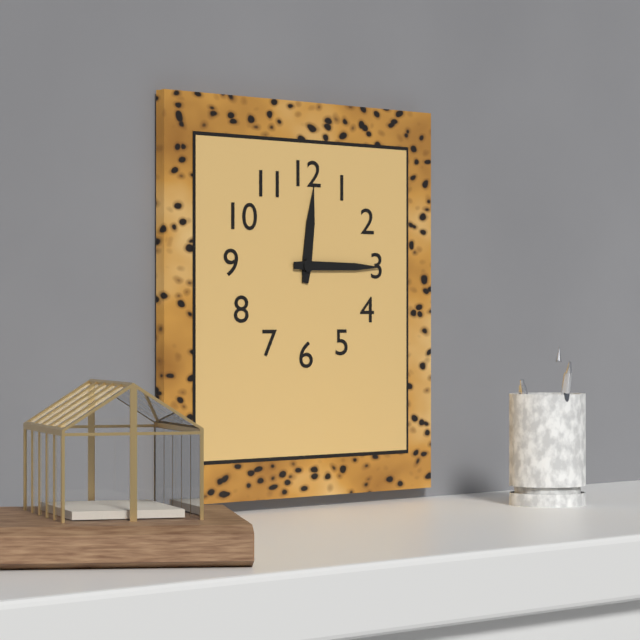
12:15
